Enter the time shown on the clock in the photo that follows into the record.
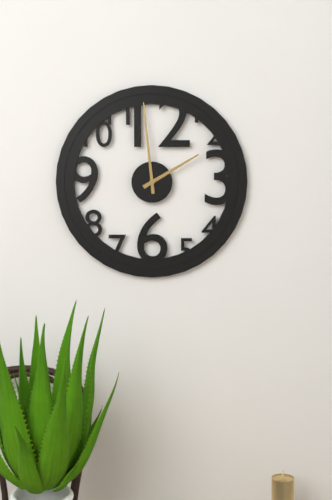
1:59
